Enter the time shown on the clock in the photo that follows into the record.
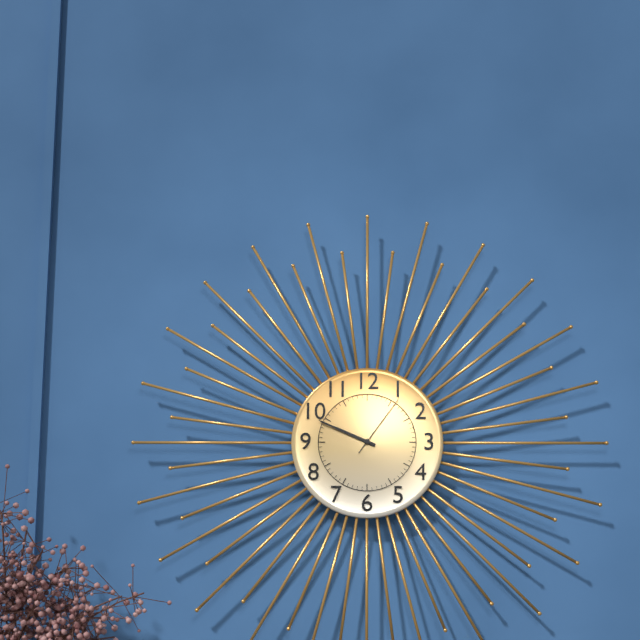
9:49:06
